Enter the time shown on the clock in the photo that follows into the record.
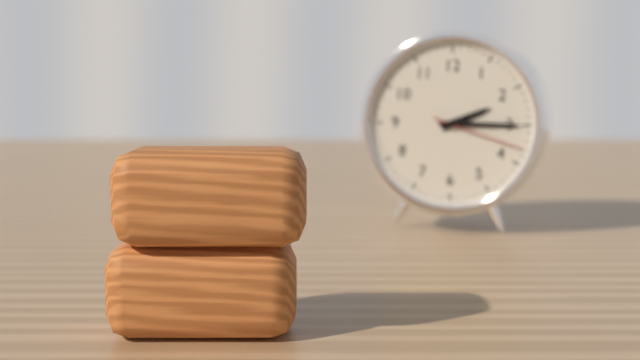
2:15:18
